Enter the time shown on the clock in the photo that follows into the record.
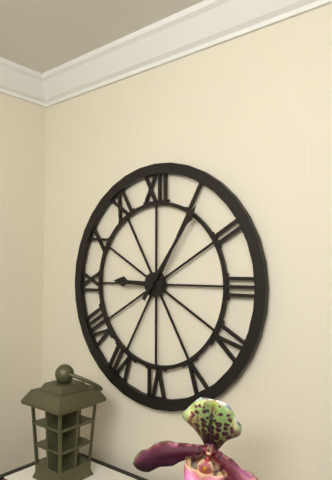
9:06
